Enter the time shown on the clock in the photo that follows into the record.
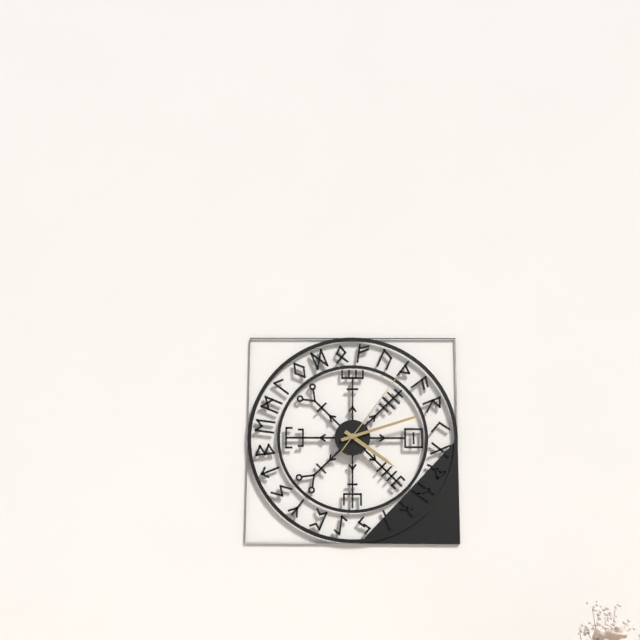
4:12:06
